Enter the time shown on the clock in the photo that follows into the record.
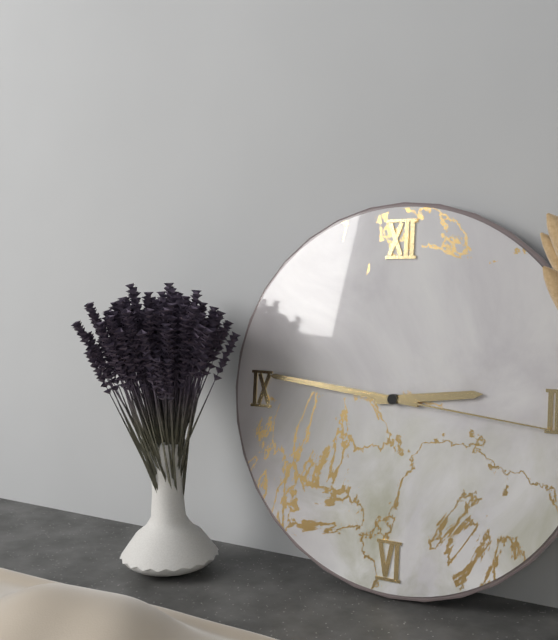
2:46:16
